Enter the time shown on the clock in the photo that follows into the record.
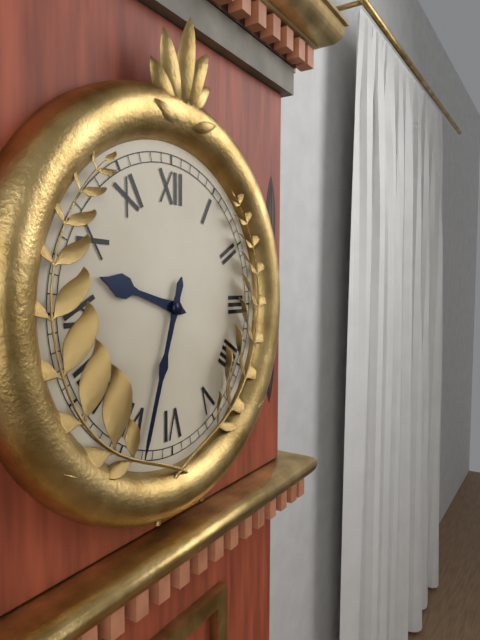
9:33
